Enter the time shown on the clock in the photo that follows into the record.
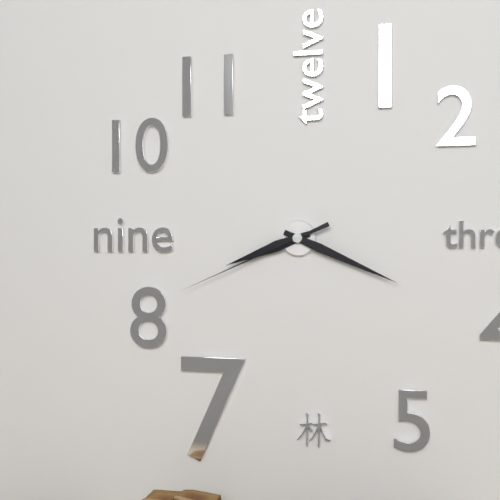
8:19:41
